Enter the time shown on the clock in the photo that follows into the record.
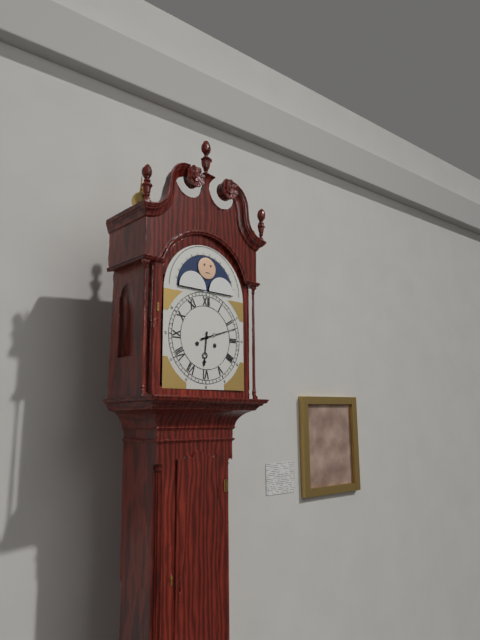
6:12
